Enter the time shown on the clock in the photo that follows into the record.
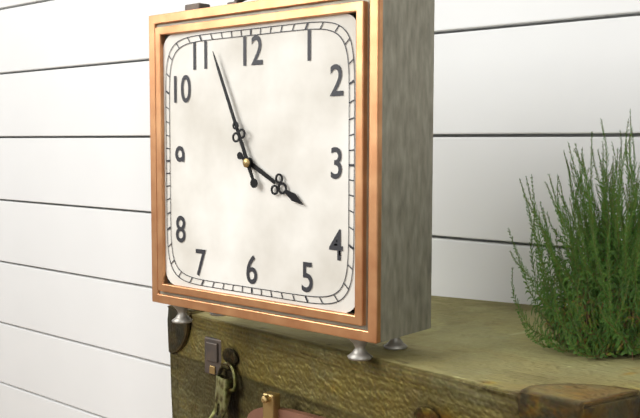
3:56
